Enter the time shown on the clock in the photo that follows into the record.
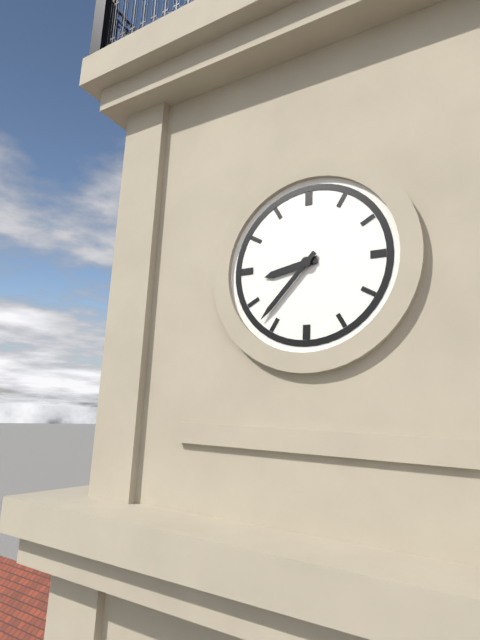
8:37
